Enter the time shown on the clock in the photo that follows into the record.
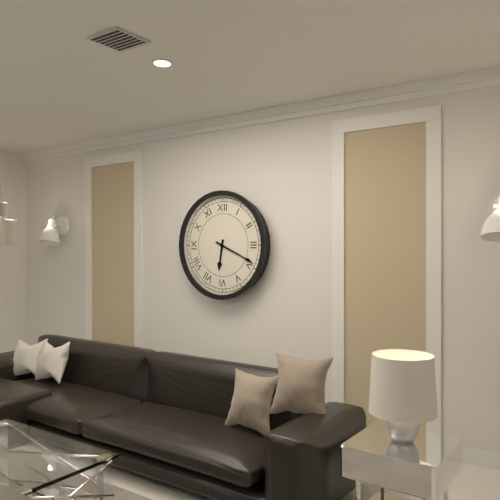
6:19
